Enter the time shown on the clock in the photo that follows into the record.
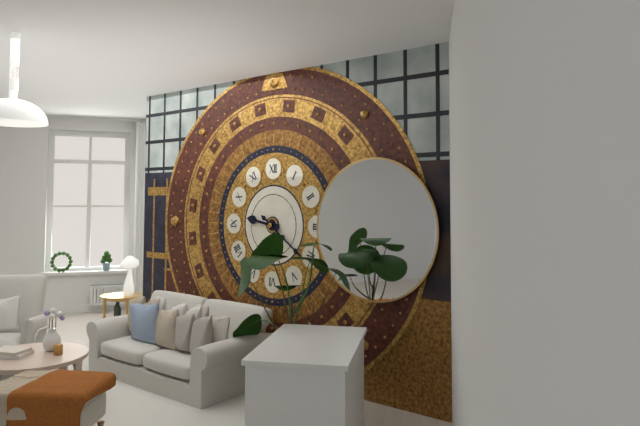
9:21
